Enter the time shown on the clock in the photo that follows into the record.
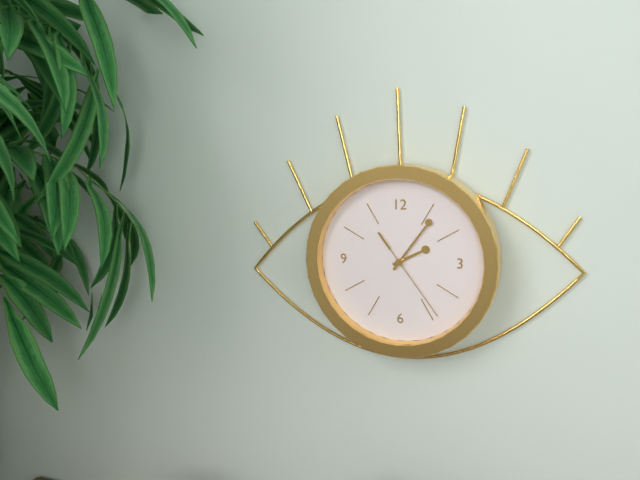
2:06:24
